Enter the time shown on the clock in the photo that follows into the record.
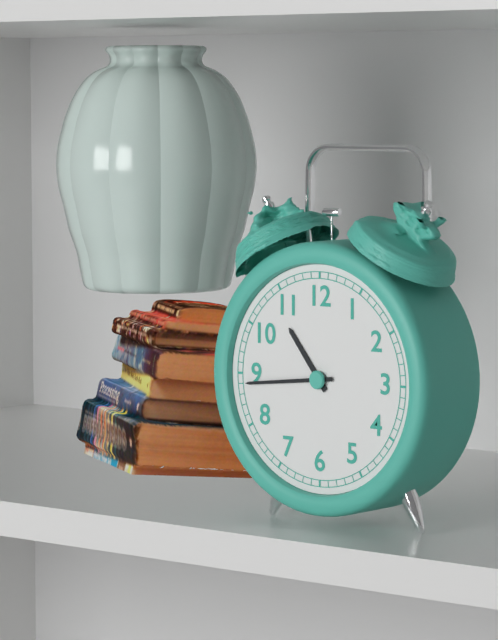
10:44
